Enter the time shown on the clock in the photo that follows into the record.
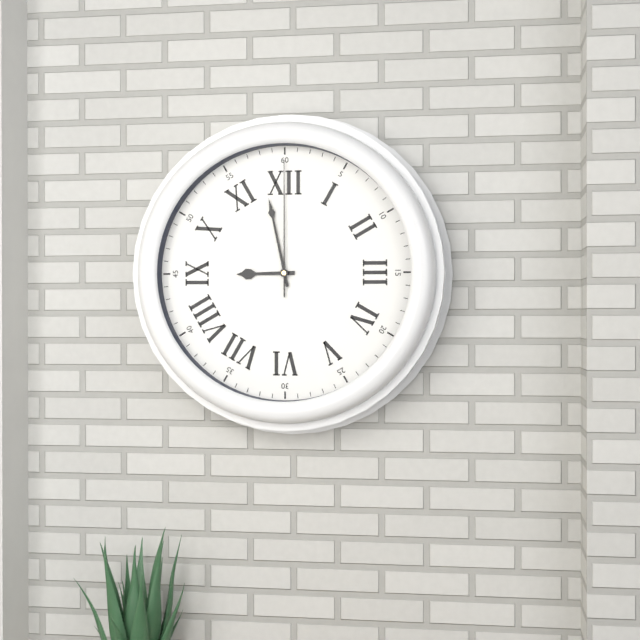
8:58:00
